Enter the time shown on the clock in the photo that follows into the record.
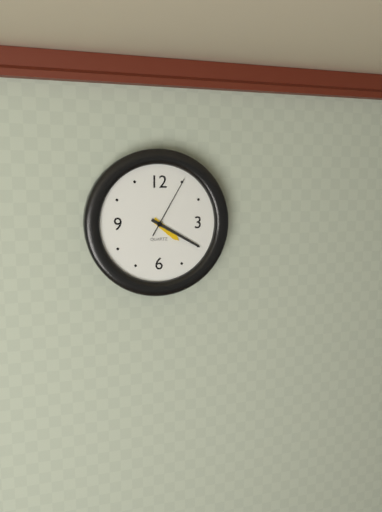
4:20:05
